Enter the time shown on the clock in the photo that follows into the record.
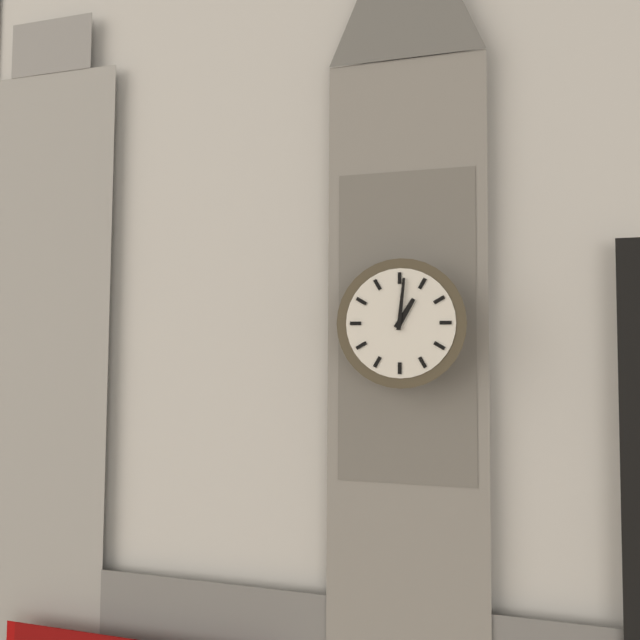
1:01
